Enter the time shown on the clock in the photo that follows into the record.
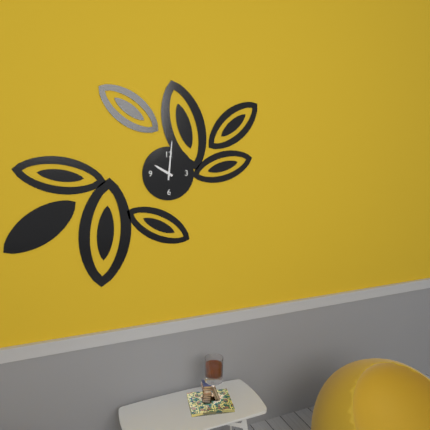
10:01
